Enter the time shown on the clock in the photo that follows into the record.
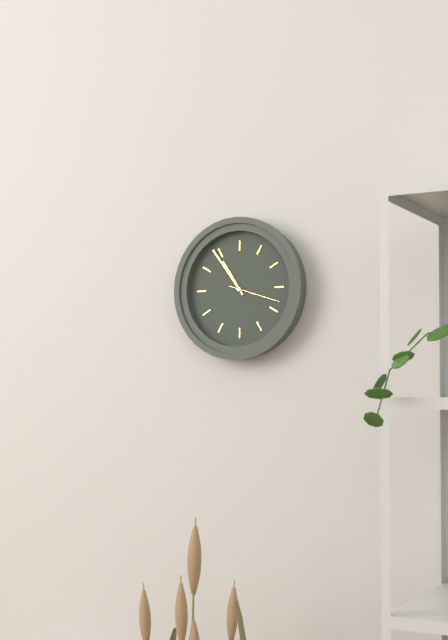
10:54:18
